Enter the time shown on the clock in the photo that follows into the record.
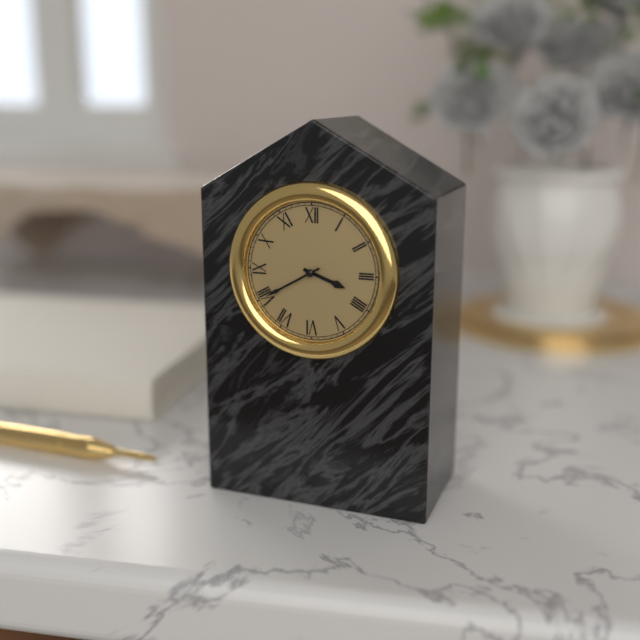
3:40
